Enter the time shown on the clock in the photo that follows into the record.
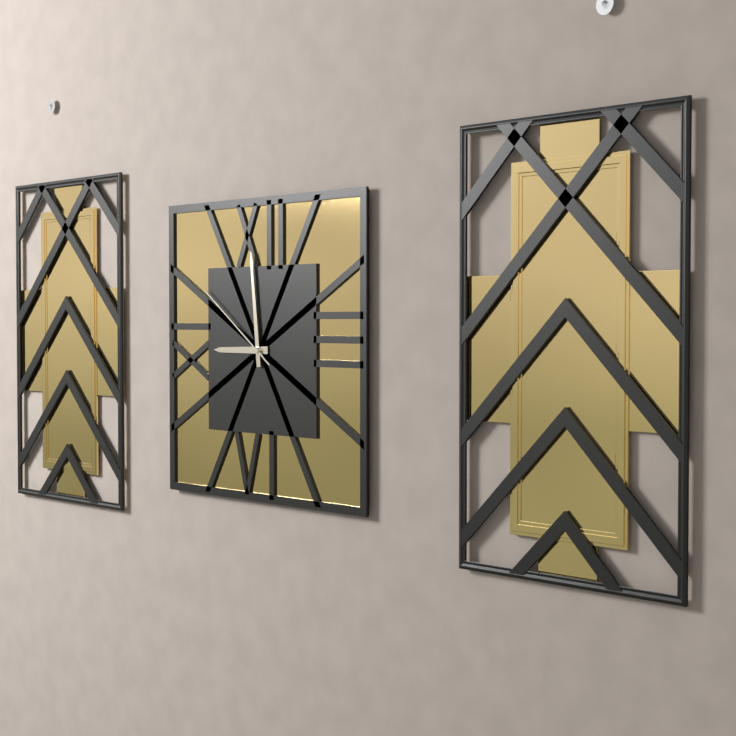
8:59:51
